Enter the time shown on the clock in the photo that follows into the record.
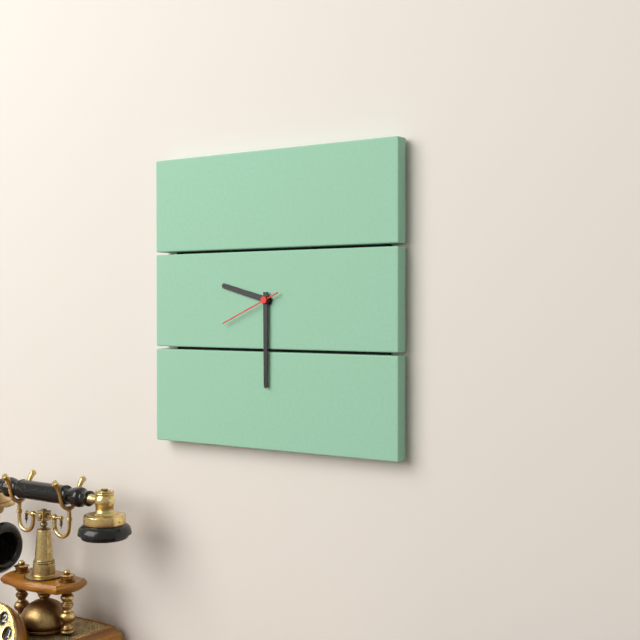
9:30:41
